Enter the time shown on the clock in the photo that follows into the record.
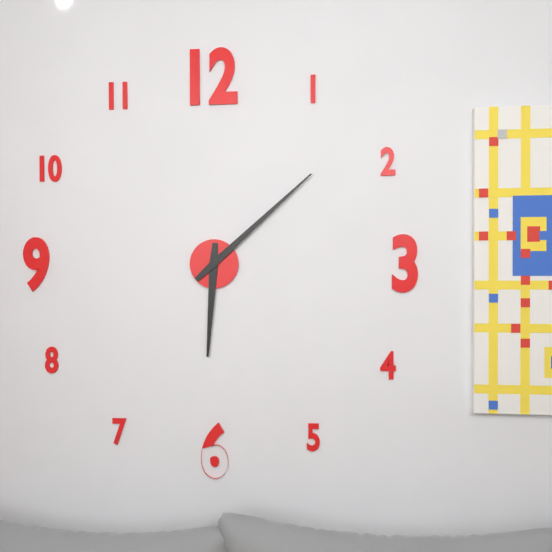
6:08
